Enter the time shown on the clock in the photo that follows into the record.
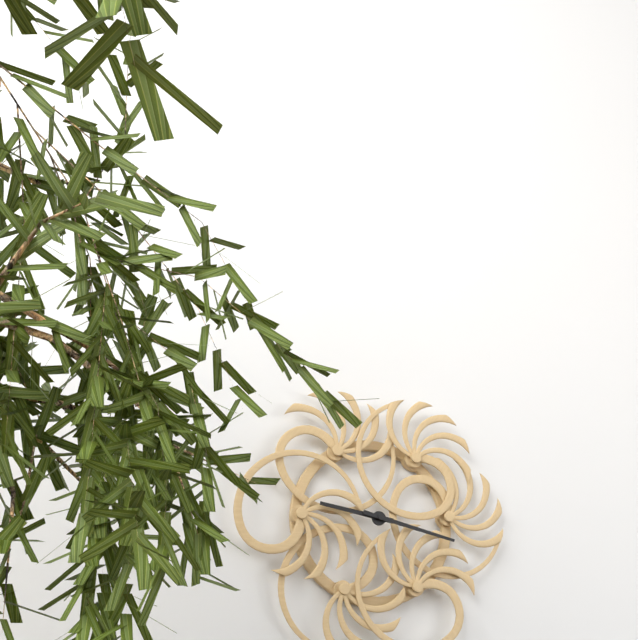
9:17
